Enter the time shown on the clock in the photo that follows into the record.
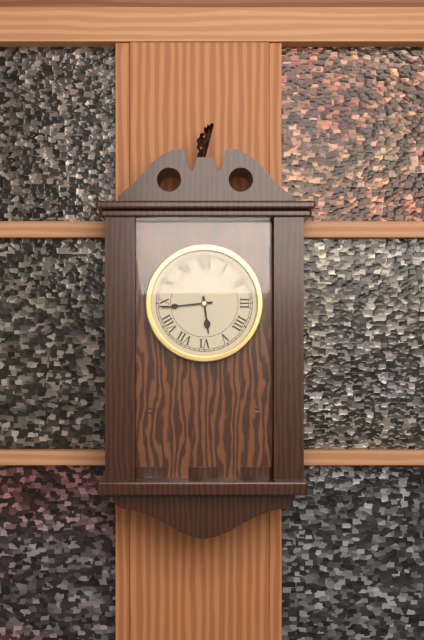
5:44
